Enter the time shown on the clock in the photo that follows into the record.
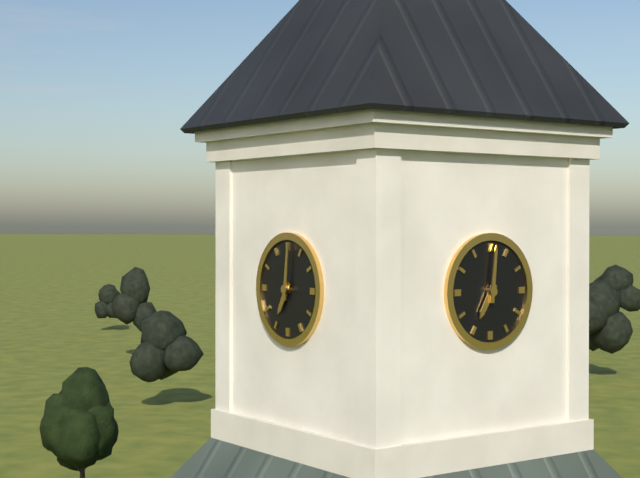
7:01
